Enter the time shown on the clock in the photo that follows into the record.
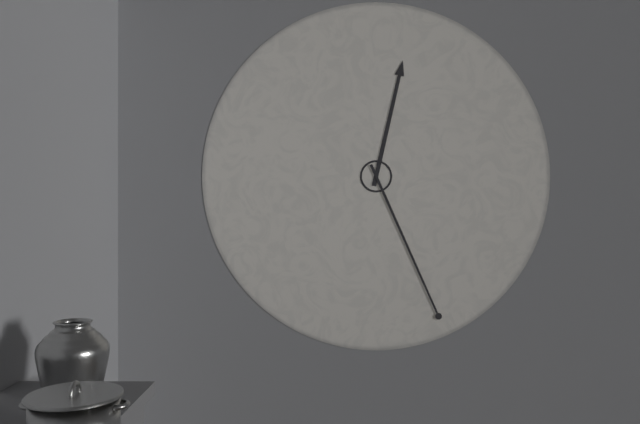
12:26
